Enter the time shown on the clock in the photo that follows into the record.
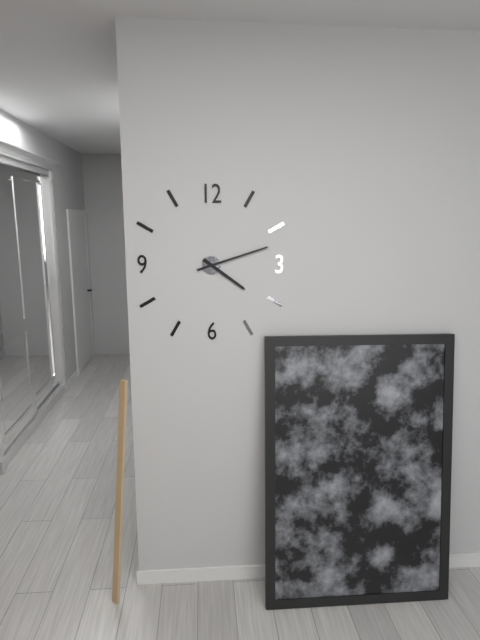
4:12
